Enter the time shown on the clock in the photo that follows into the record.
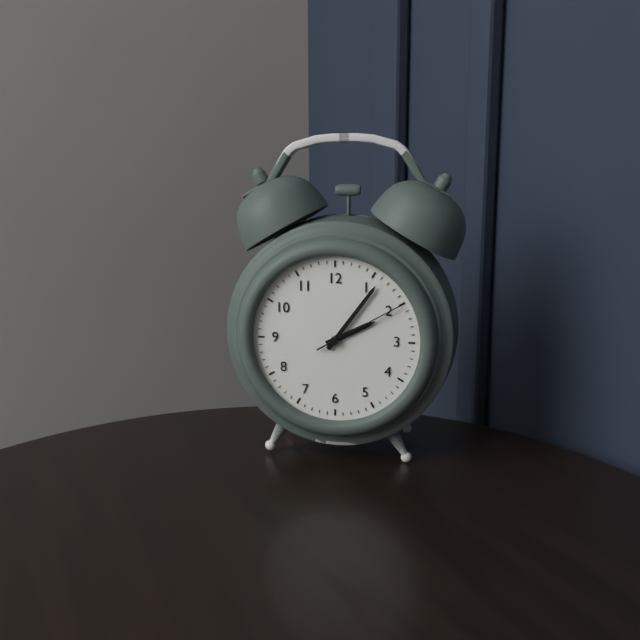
2:06:10
